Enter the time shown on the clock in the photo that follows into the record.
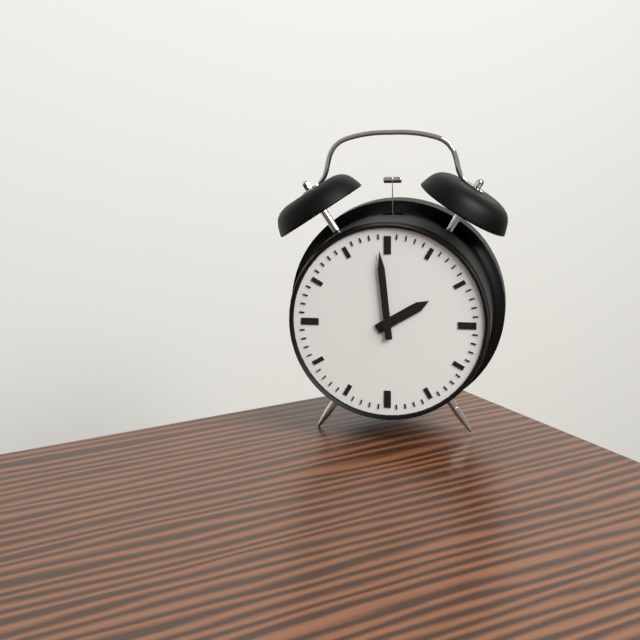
1:59
